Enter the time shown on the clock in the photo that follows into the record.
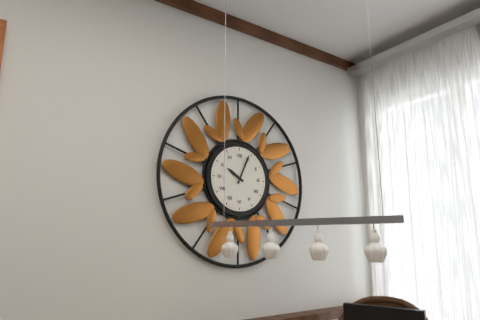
10:04
